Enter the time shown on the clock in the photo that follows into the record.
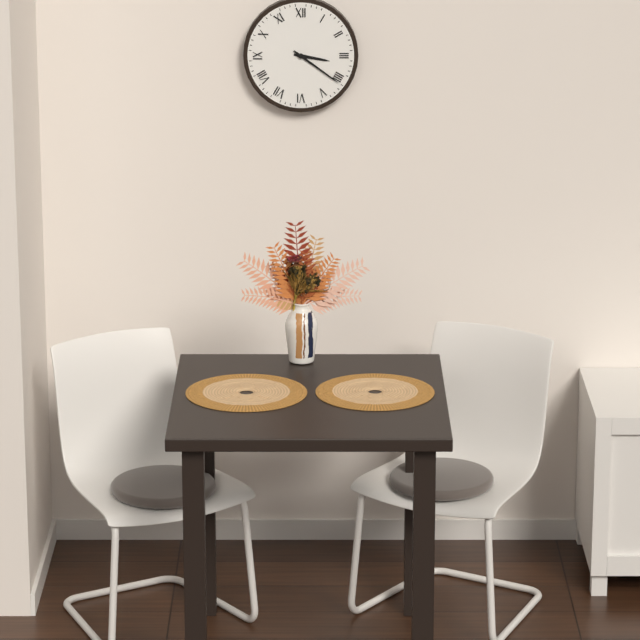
3:21
